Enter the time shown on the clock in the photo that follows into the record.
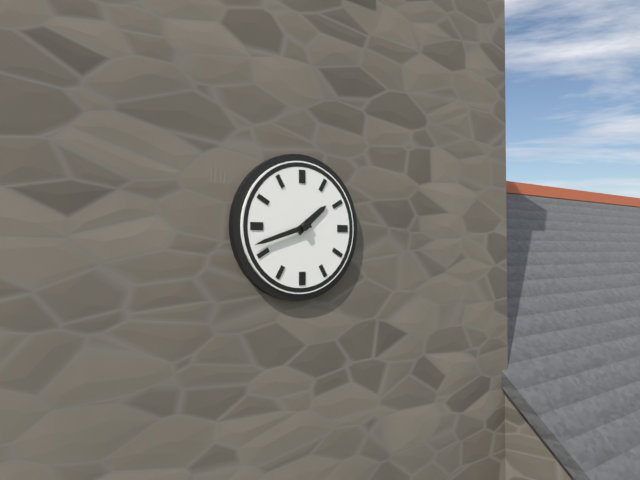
1:42
